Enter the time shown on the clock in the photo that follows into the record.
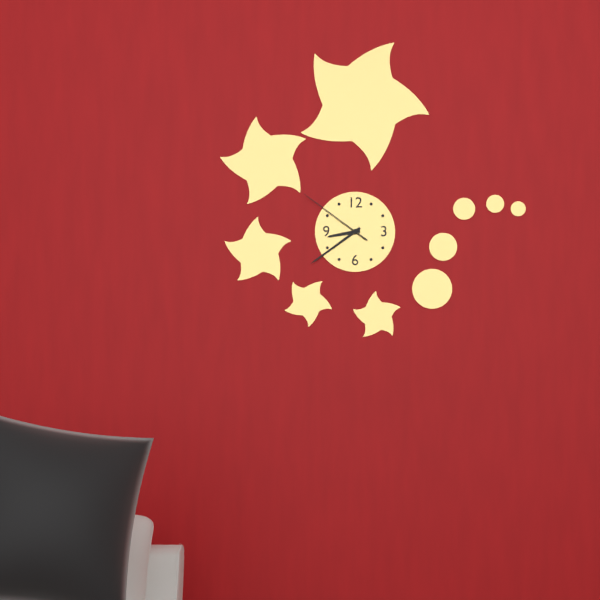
8:39:51
